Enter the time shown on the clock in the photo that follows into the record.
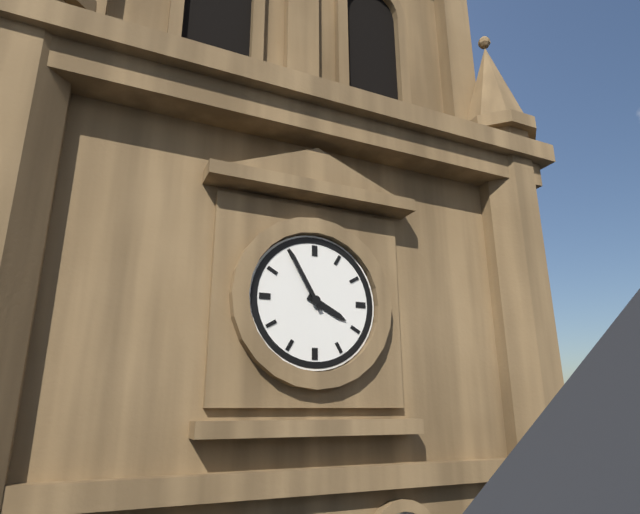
3:55
